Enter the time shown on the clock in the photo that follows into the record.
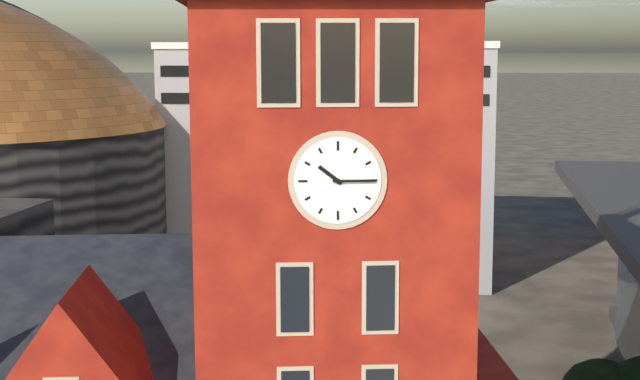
10:15
